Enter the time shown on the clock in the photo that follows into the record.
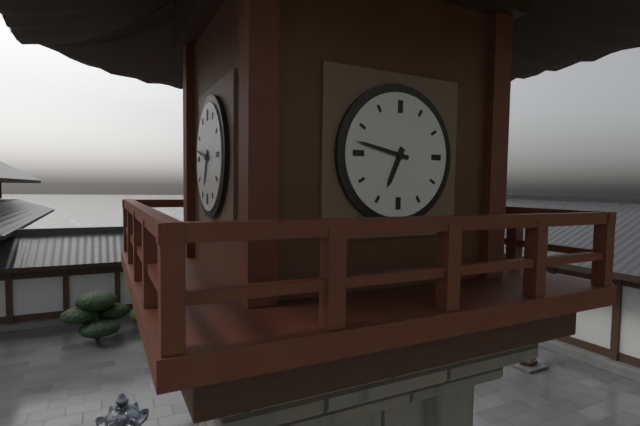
6:47
